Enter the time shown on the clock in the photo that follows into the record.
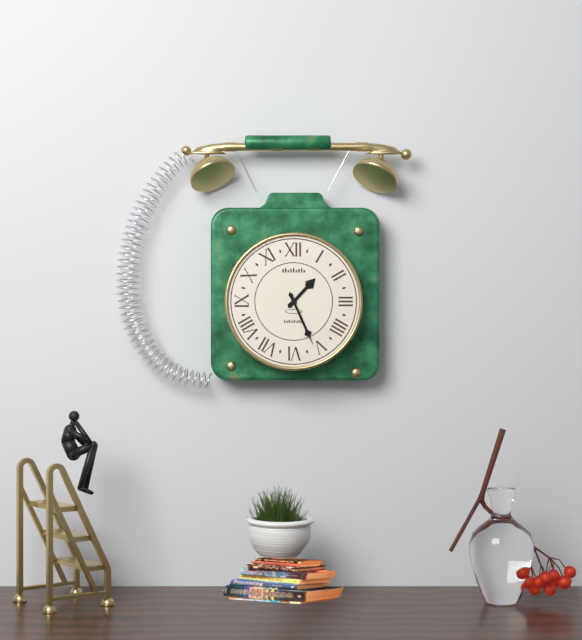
1:26
